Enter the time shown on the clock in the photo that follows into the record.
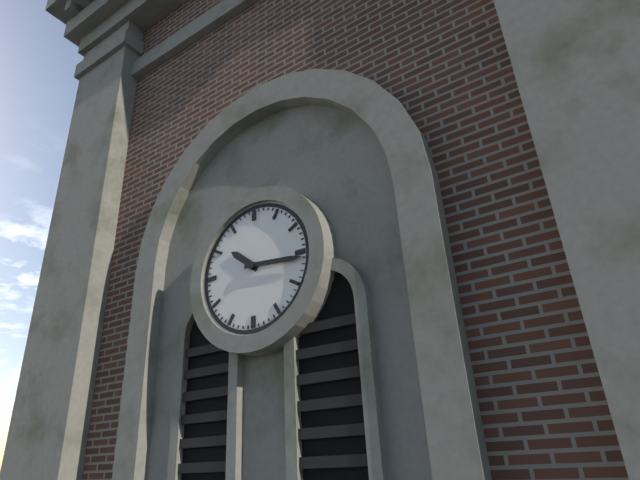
10:16
